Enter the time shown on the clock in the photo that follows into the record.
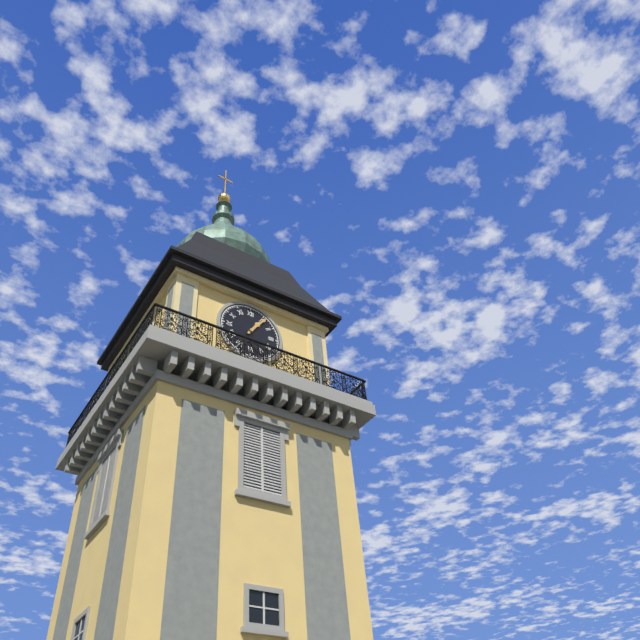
1:06
